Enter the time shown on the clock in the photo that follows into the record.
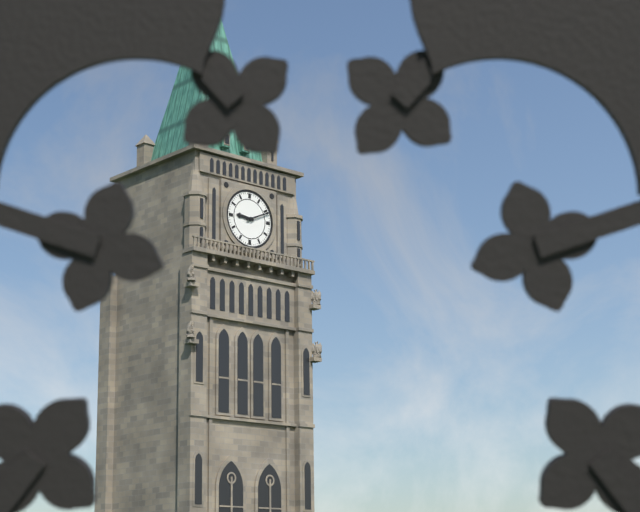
9:11
